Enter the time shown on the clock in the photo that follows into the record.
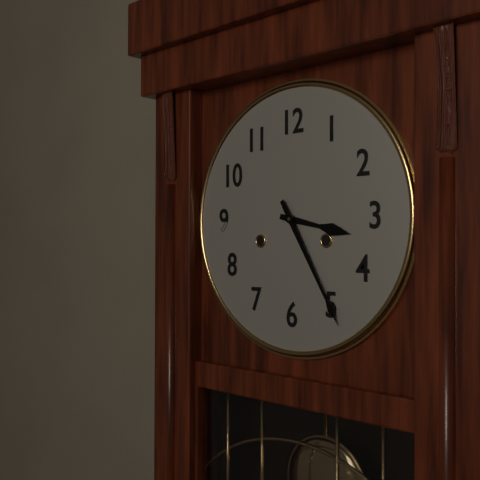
3:25
